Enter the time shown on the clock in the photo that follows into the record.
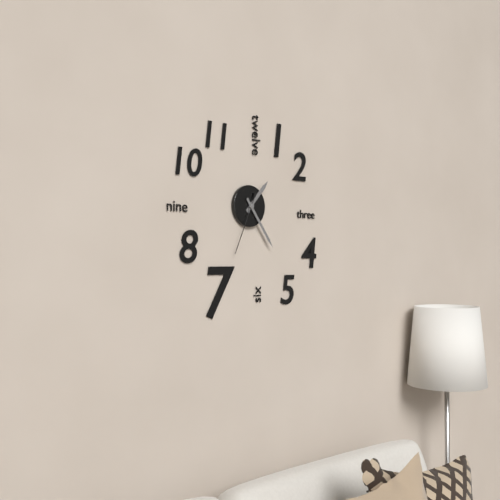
1:24:34
